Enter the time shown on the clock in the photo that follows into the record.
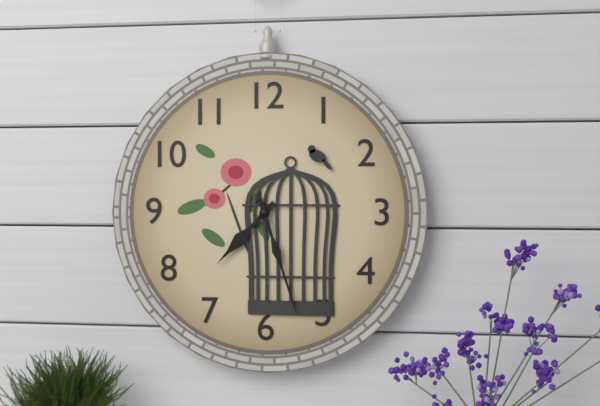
7:27
